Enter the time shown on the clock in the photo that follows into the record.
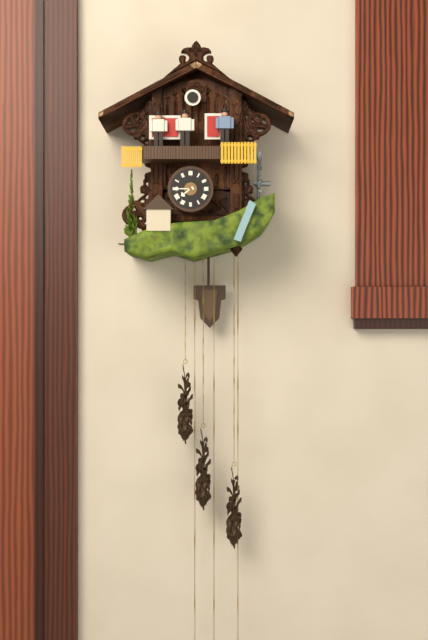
7:45
